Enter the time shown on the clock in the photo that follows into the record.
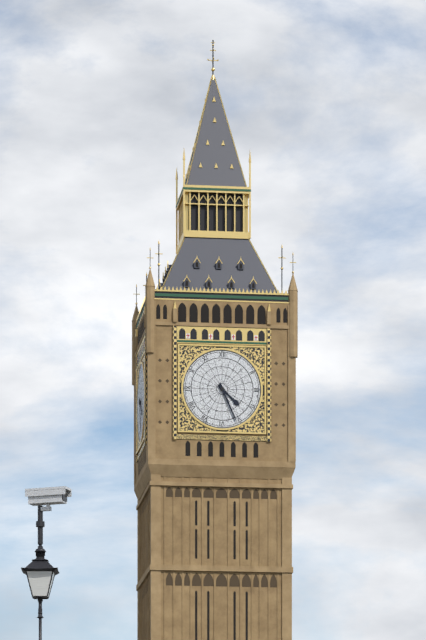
4:26
